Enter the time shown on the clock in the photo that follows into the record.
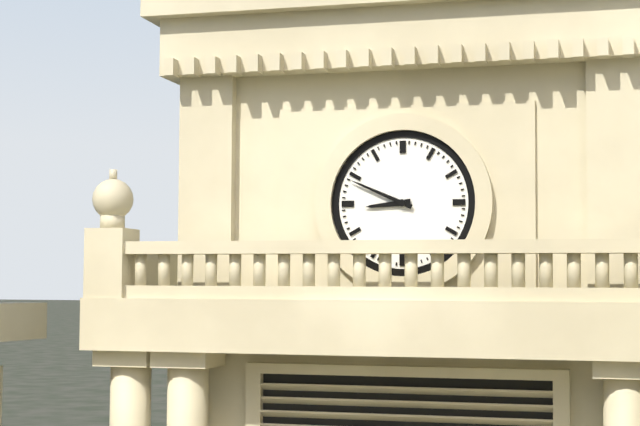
8:49
